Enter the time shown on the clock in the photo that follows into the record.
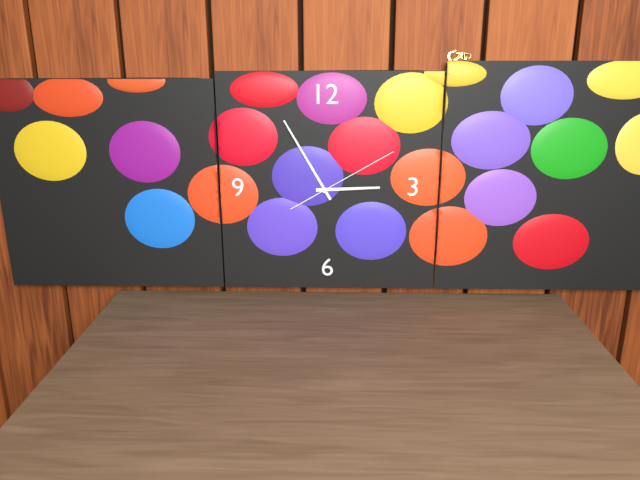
2:55:10
